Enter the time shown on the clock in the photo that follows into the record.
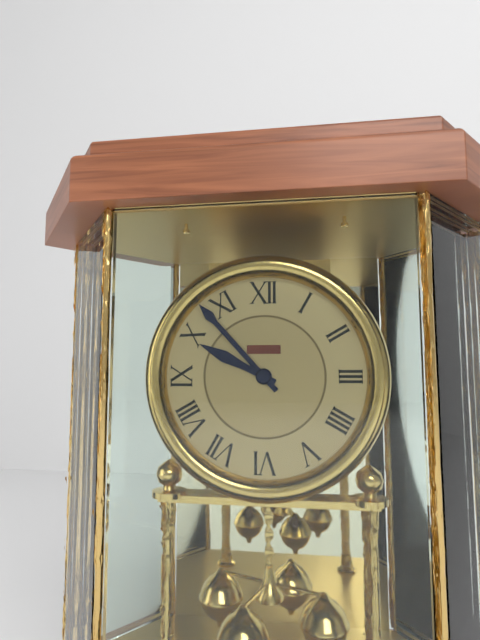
9:53
